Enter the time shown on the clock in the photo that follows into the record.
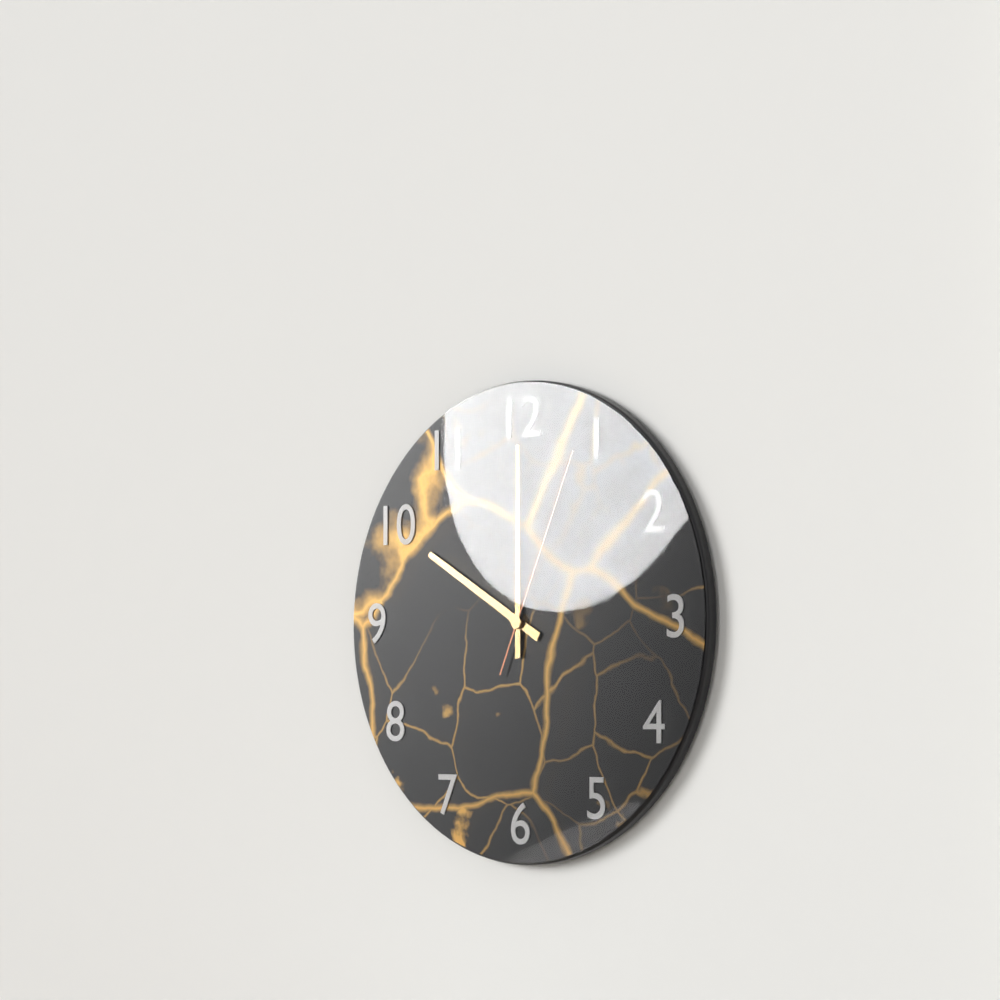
10:00:04
